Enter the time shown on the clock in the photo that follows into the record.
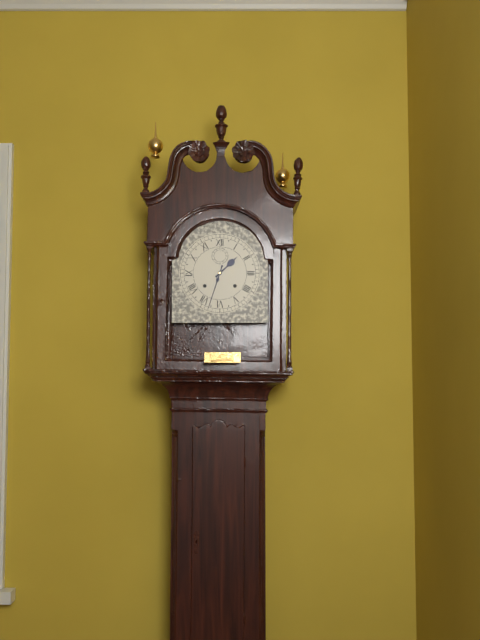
1:33
